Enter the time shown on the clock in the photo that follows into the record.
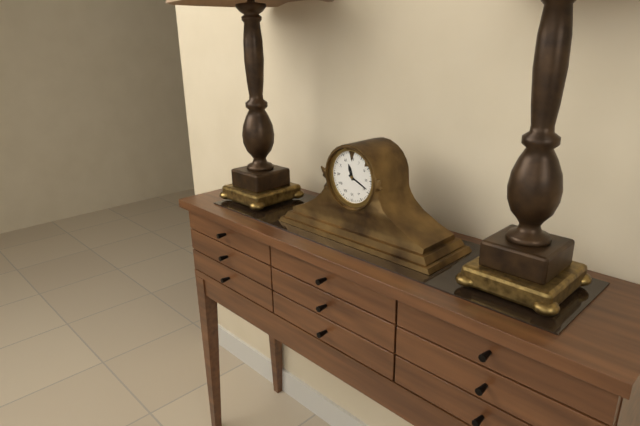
11:19
